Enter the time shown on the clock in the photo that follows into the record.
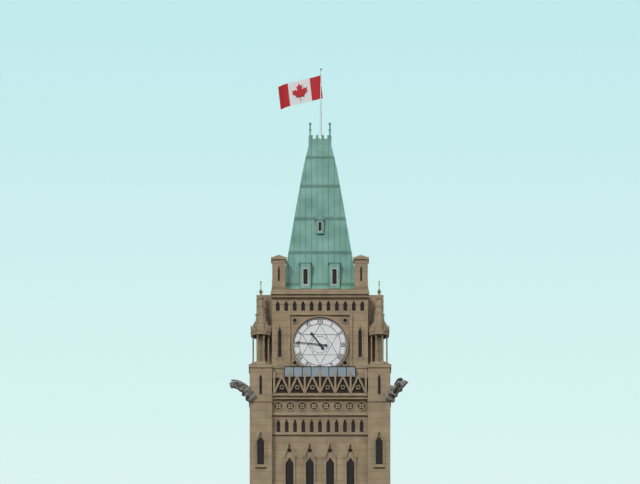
10:46
